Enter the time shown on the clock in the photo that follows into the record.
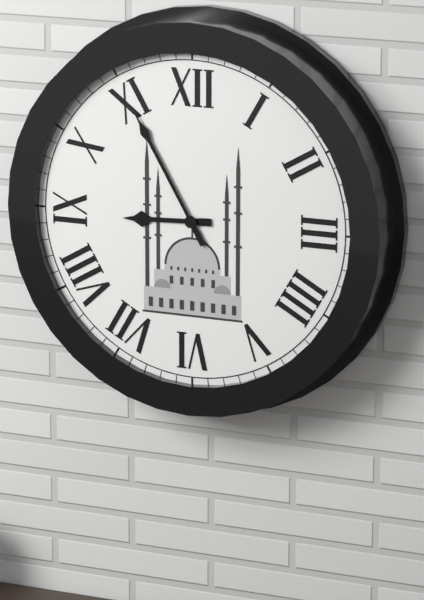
8:55
